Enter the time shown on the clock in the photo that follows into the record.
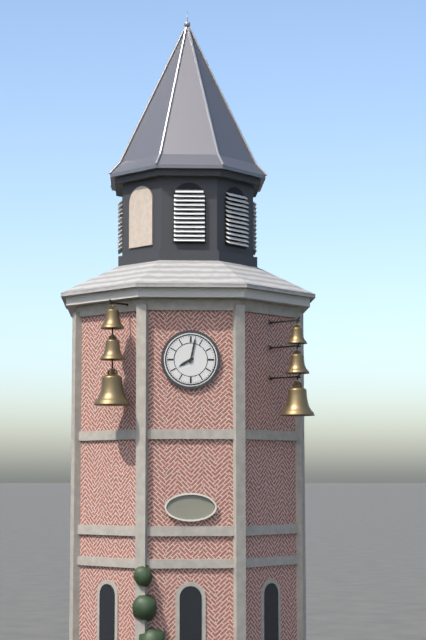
8:02
